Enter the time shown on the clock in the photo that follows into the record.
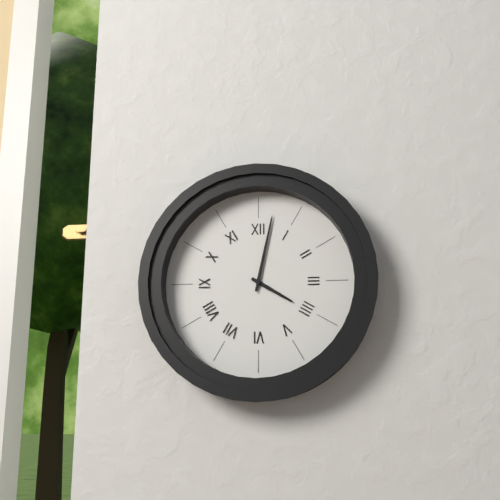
4:02
